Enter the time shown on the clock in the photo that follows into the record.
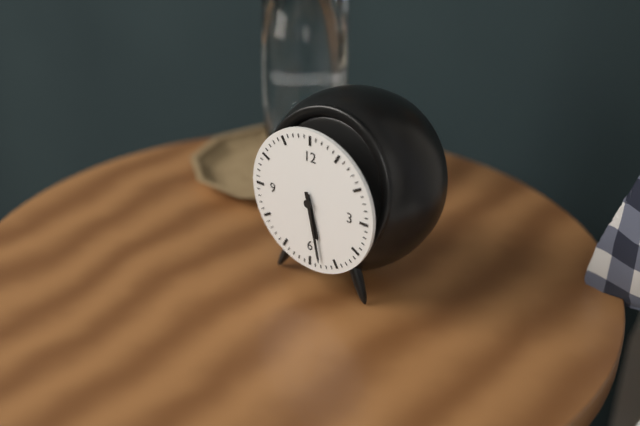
5:28
